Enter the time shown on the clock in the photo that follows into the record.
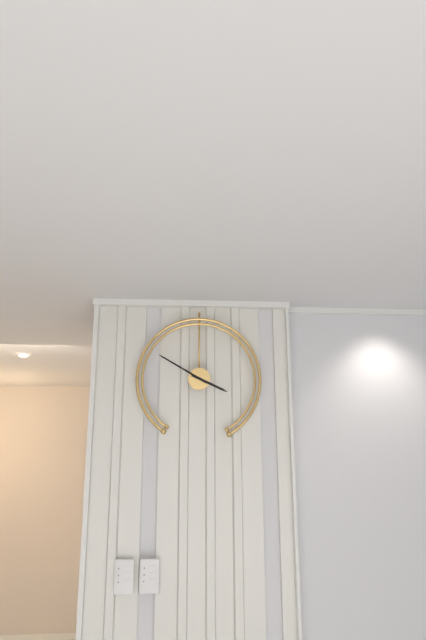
3:50
